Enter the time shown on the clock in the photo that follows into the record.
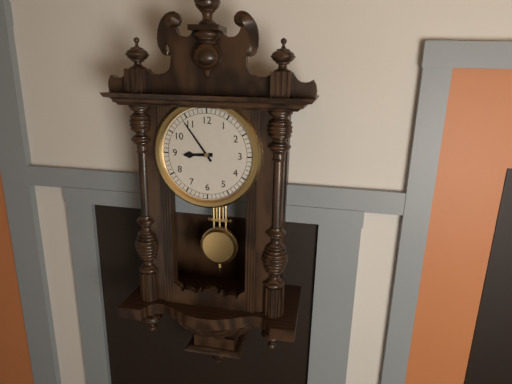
8:54
